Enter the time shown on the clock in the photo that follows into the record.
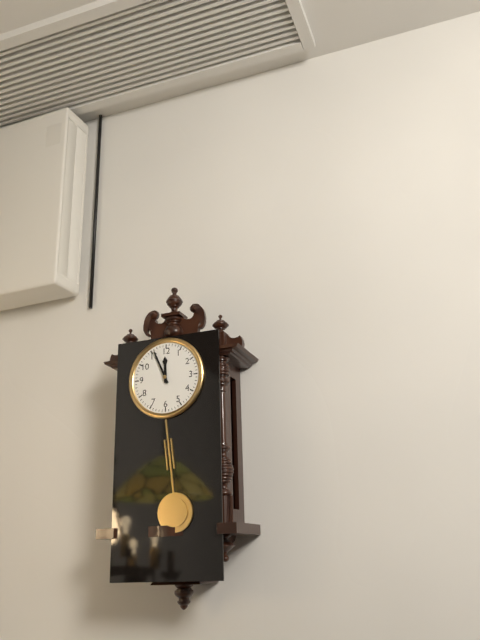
11:56
